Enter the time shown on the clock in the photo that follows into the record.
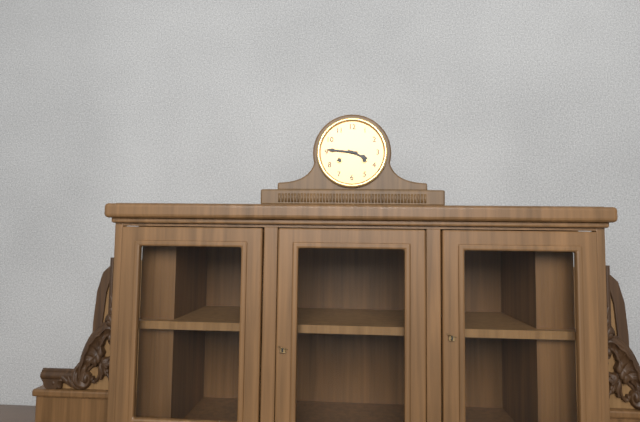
3:46
